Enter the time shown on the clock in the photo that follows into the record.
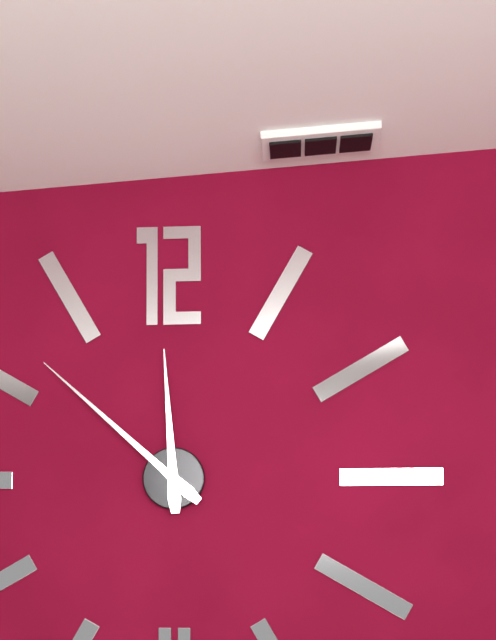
11:52
